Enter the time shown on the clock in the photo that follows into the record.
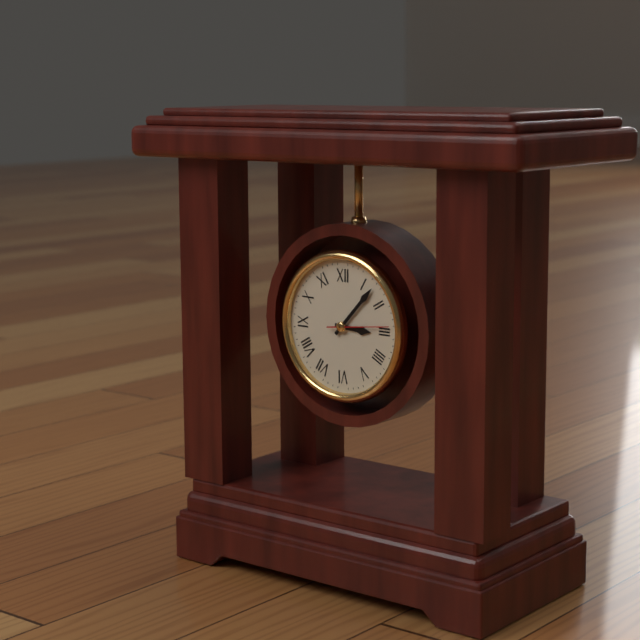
3:07
